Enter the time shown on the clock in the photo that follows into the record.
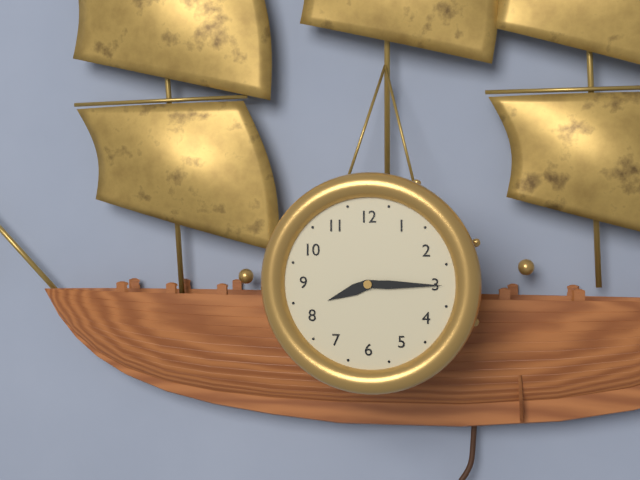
8:15
